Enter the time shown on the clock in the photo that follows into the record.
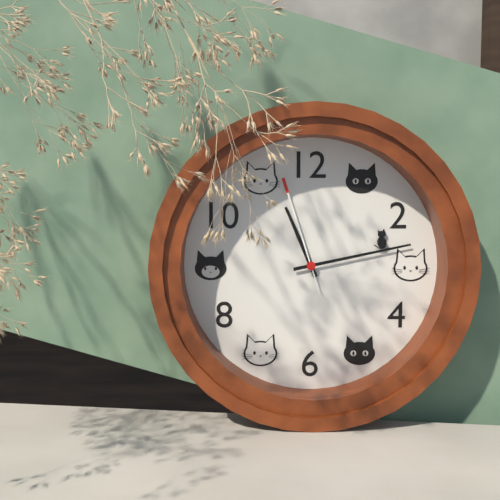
11:13:57
